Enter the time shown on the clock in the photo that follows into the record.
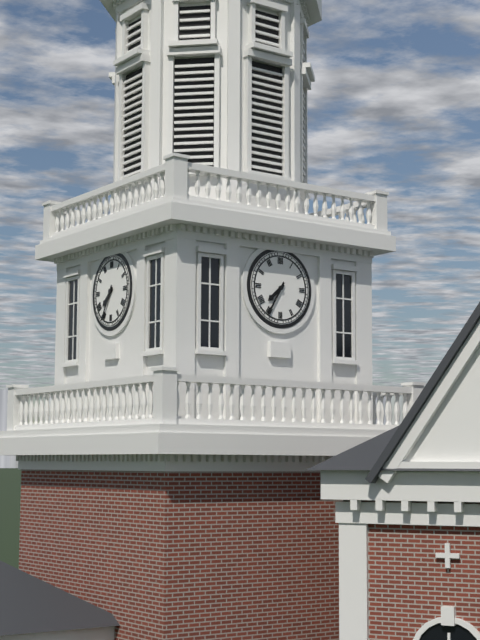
7:35
